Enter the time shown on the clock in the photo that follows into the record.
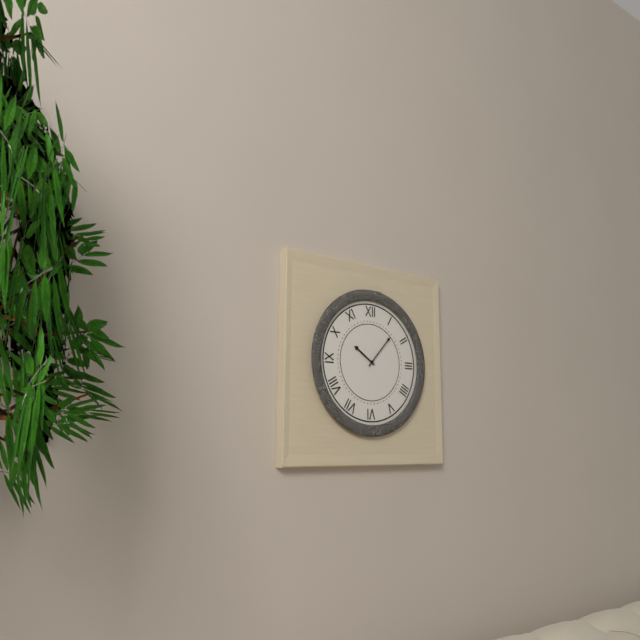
10:07
